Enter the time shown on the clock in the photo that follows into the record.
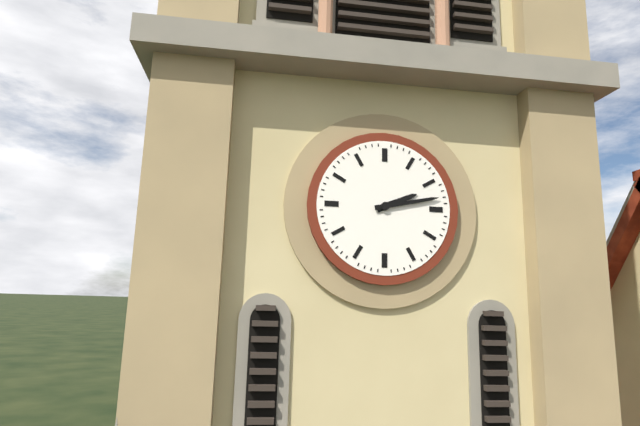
2:13
